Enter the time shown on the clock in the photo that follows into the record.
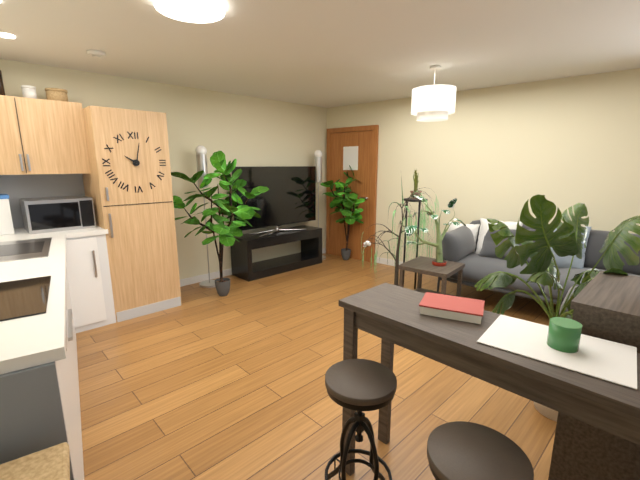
10:02
